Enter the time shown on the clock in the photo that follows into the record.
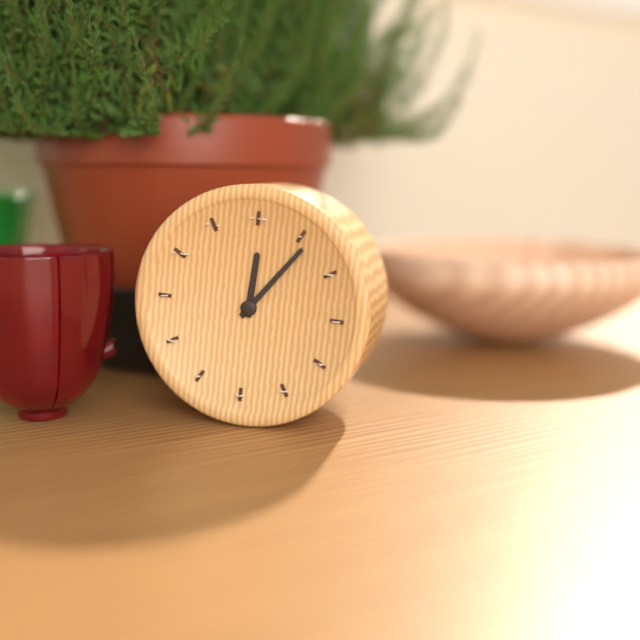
12:06
